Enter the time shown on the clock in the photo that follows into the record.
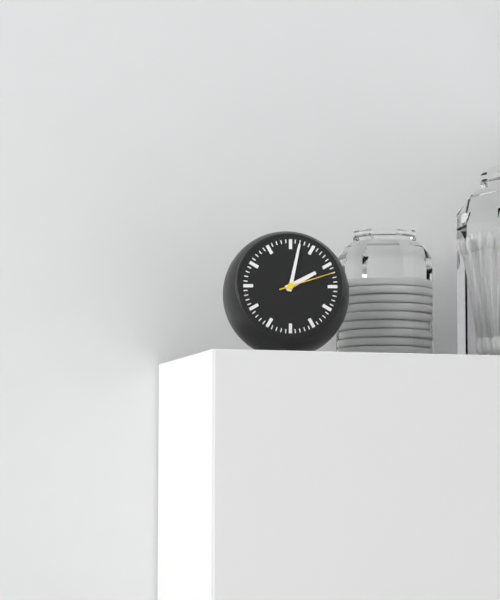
2:02:12
